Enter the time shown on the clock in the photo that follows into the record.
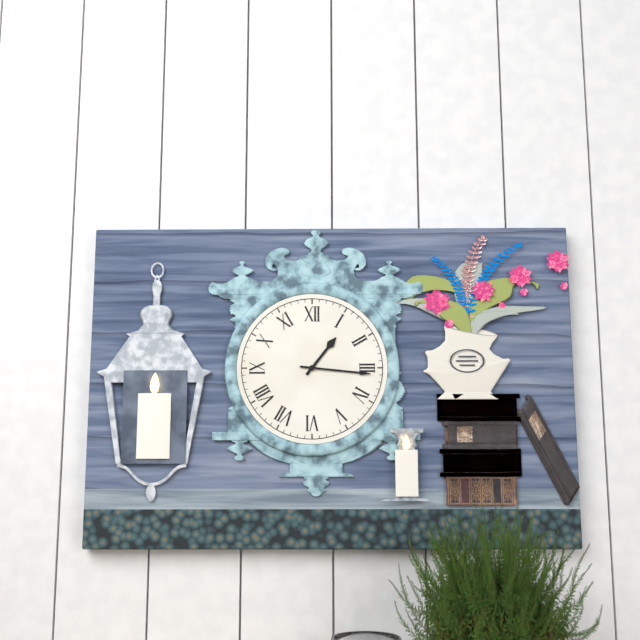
1:16
